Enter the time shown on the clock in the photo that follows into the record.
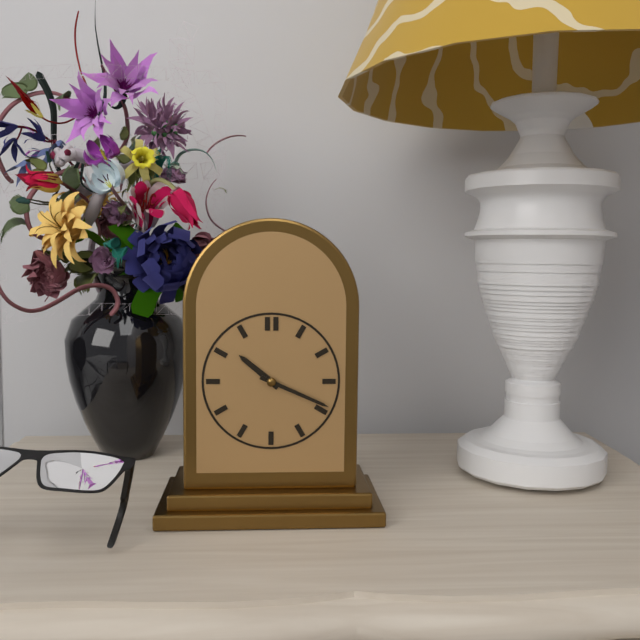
10:19
